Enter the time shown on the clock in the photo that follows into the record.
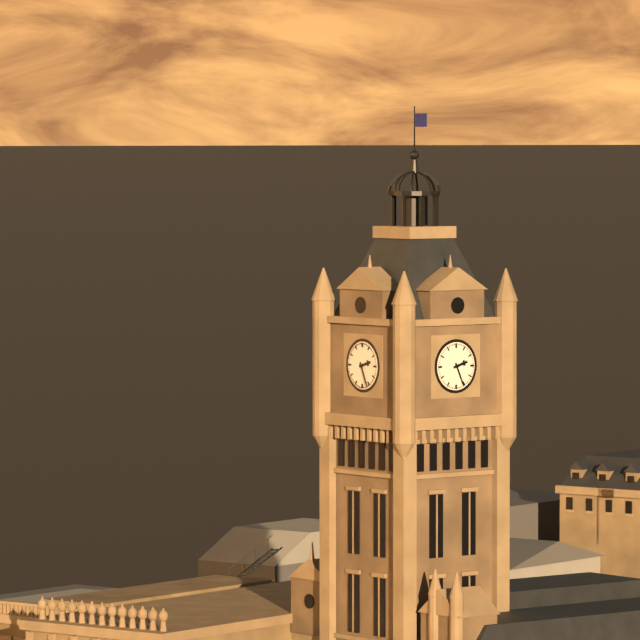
2:26
